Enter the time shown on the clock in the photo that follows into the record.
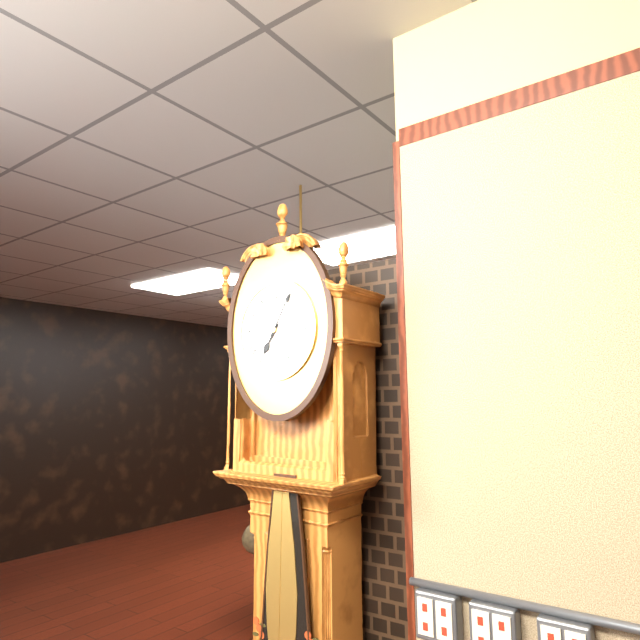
7:05
